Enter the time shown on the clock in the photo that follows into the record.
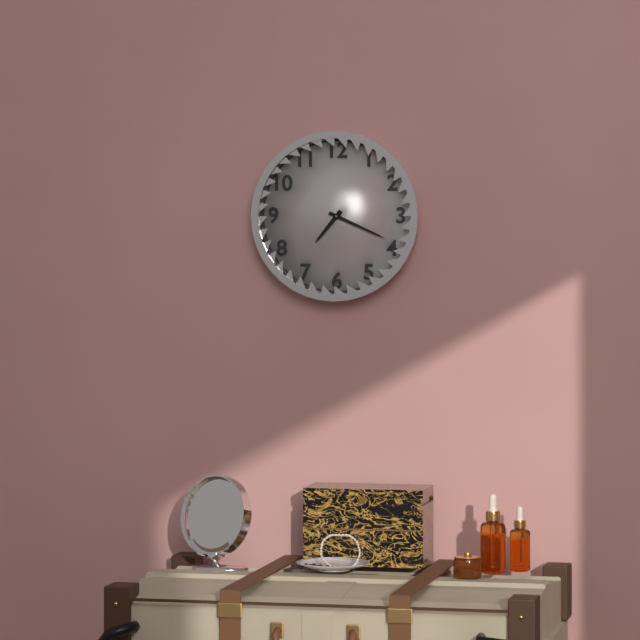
7:19
